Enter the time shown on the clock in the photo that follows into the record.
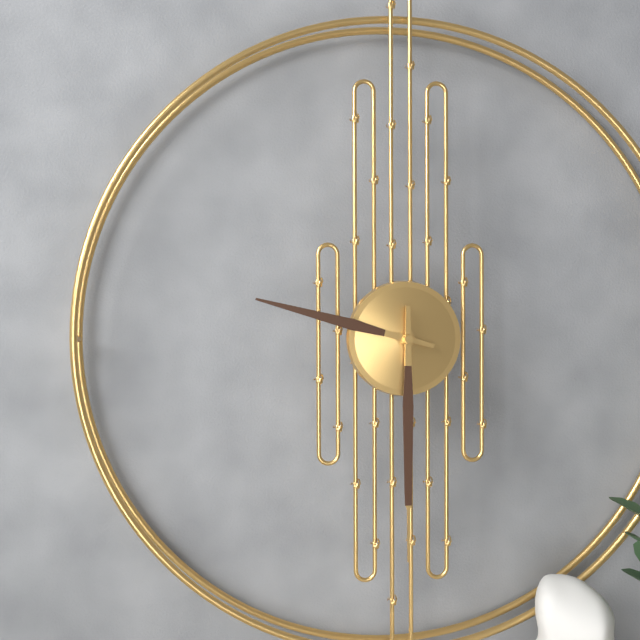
9:30
